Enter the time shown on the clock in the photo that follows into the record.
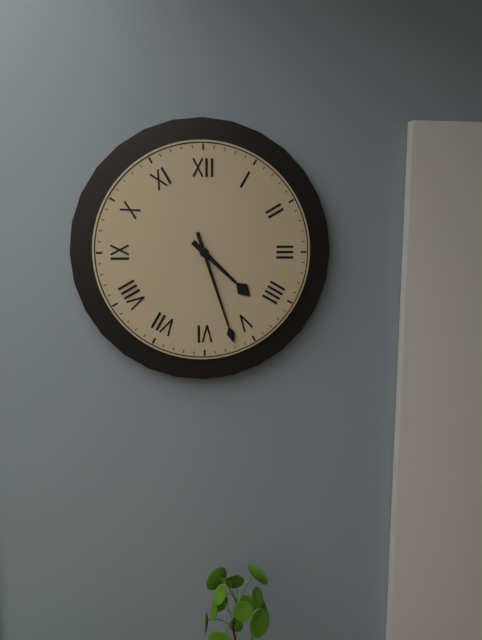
4:27
